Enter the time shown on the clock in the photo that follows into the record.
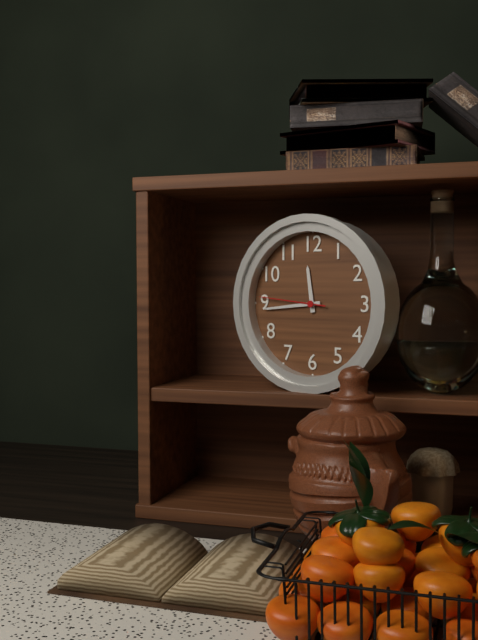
11:44:46
